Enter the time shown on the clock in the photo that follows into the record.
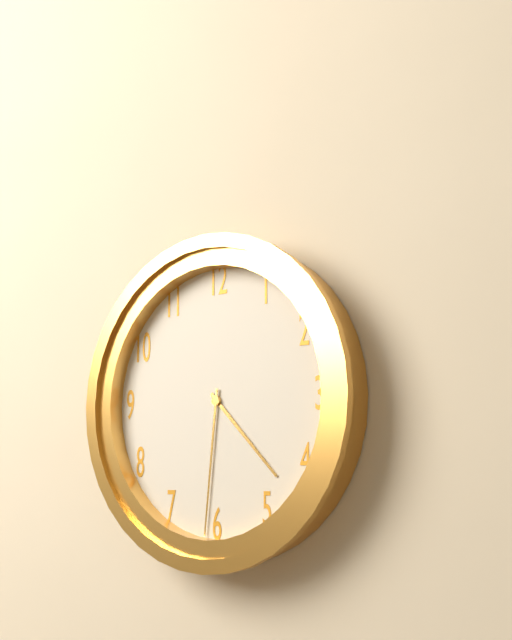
4:31
